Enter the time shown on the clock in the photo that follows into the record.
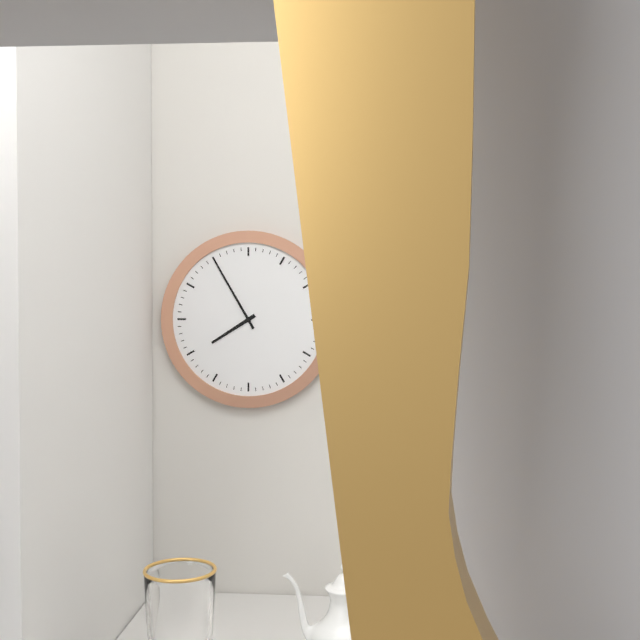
7:55
